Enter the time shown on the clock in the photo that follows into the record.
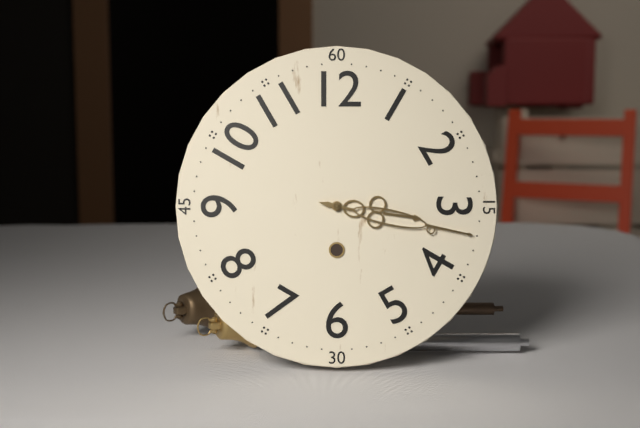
3:17
